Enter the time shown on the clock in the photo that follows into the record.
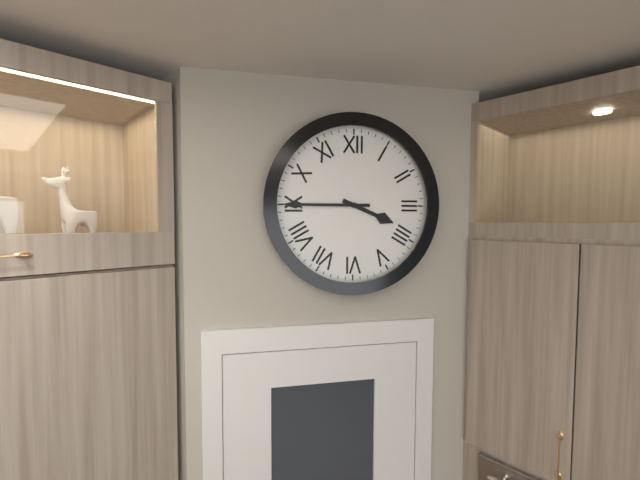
3:45
